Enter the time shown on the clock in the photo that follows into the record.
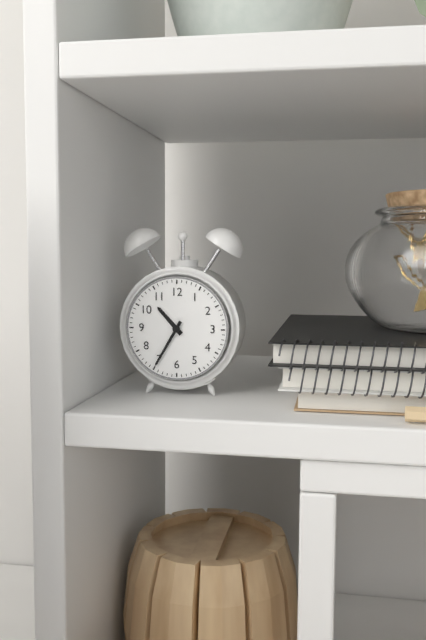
10:35
